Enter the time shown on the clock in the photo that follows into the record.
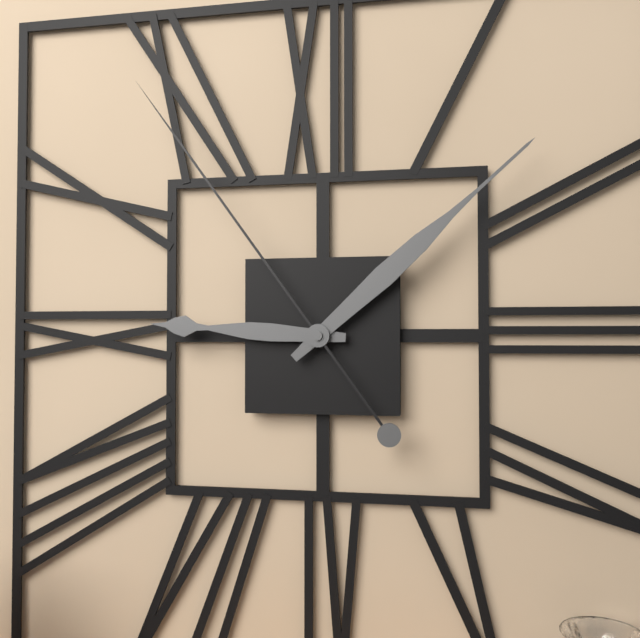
9:08:54
